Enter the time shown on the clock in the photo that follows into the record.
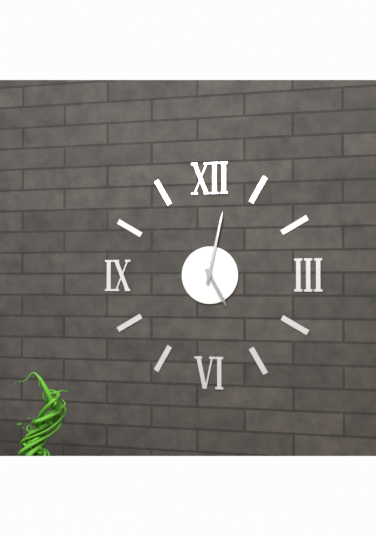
5:02
